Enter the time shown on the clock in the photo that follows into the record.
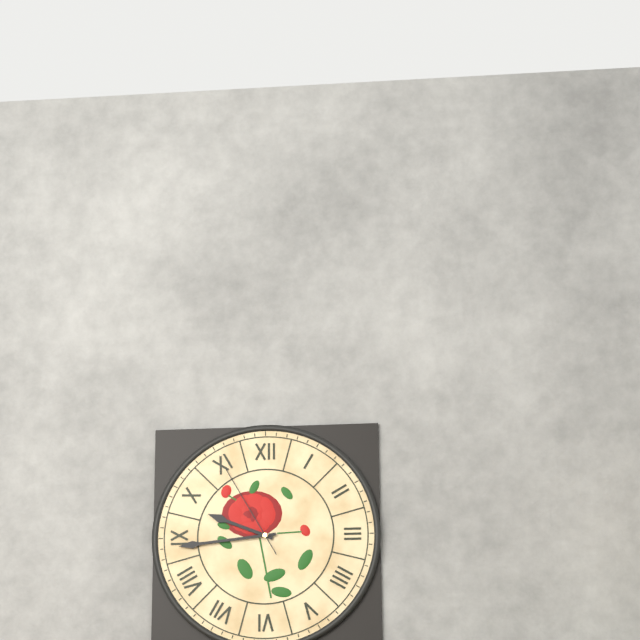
9:44:55
